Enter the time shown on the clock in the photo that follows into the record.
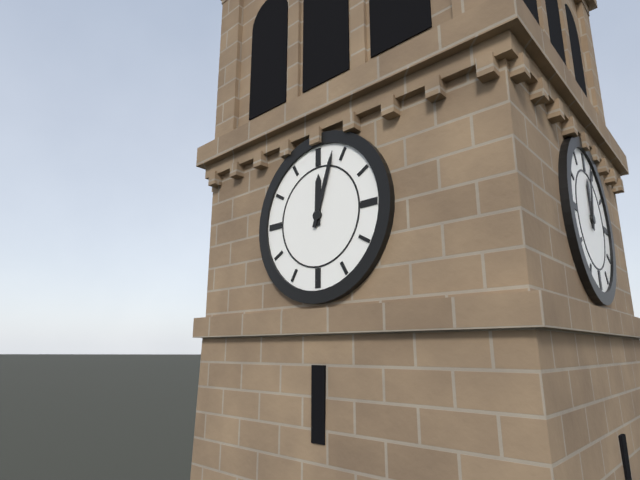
12:03
